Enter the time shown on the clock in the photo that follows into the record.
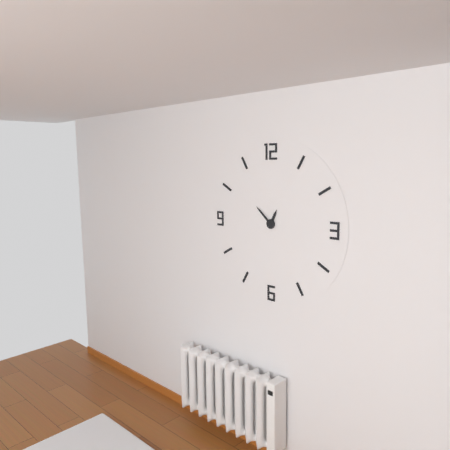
12:52
